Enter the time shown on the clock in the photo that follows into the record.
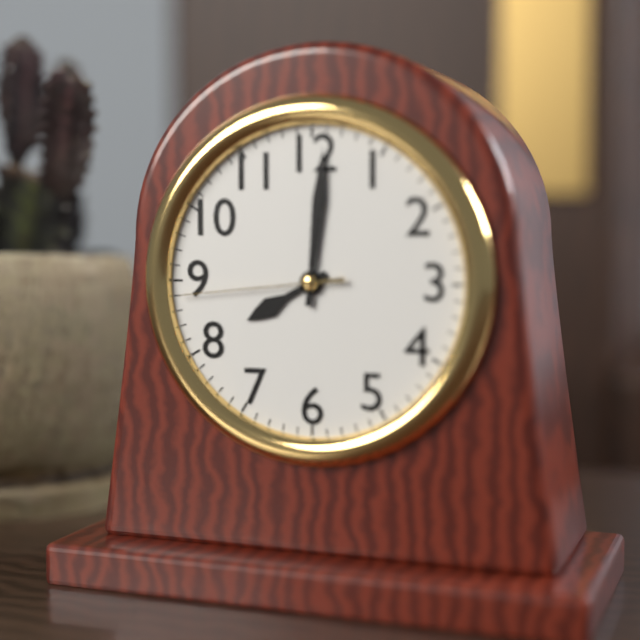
8:01:44
